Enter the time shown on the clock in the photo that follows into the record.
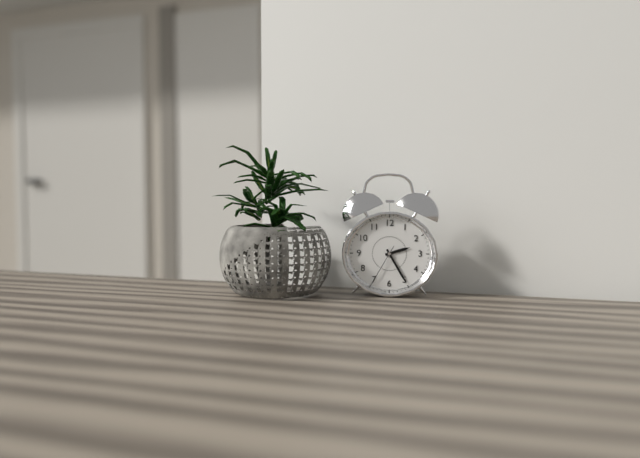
2:25
